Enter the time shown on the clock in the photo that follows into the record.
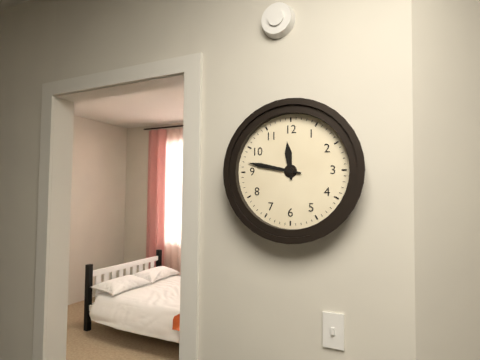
11:47
